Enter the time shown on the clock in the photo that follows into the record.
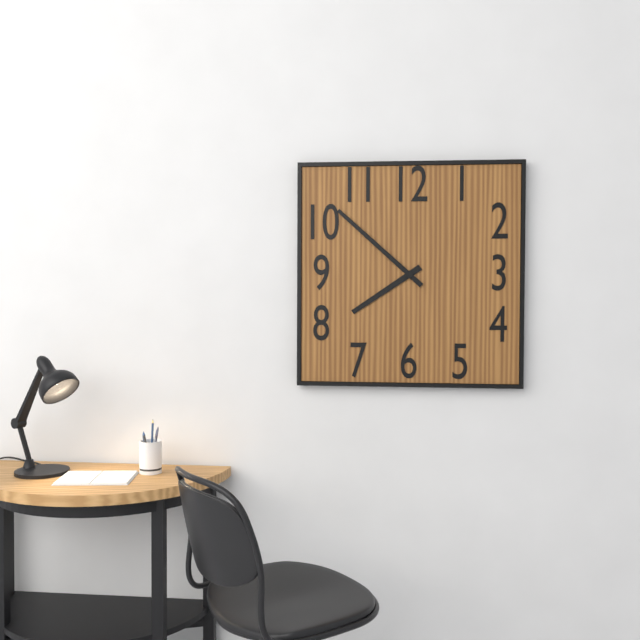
7:52
